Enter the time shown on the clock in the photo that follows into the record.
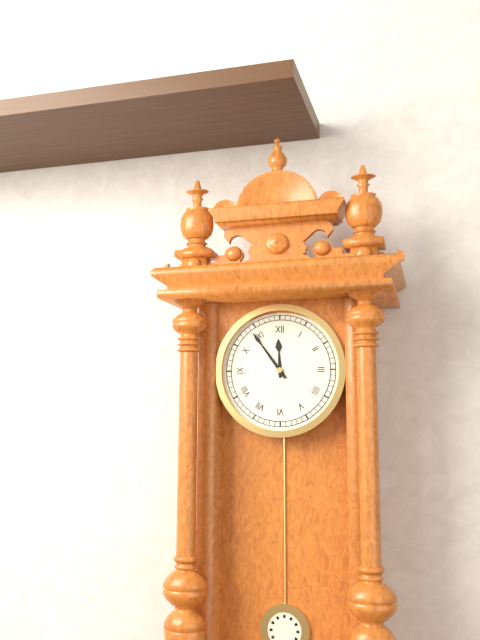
11:54
